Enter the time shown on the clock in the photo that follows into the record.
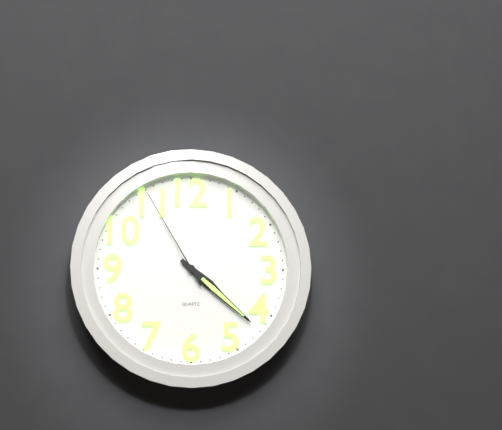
4:22:55
